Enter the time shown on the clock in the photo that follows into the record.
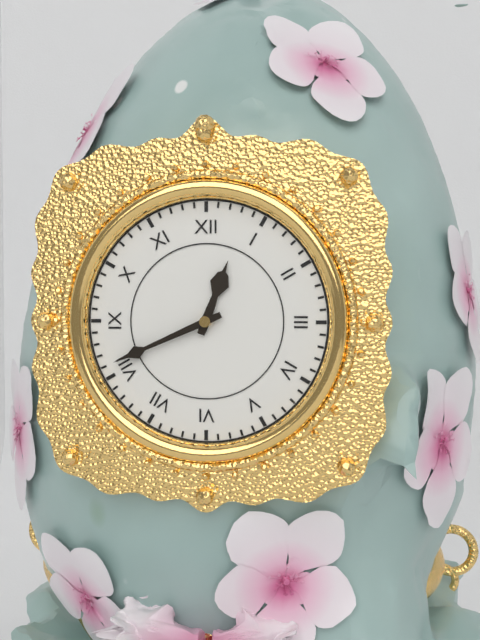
12:41
